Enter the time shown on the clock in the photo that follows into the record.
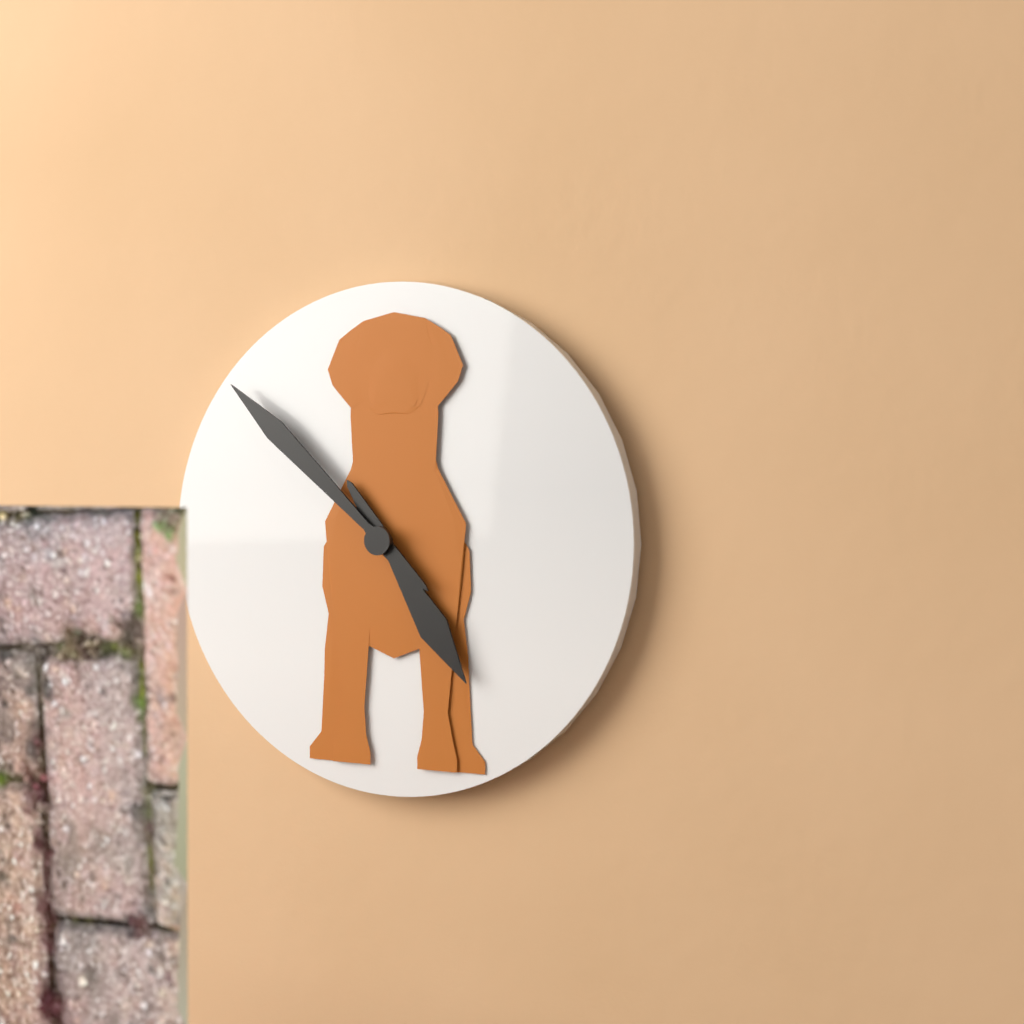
4:52
